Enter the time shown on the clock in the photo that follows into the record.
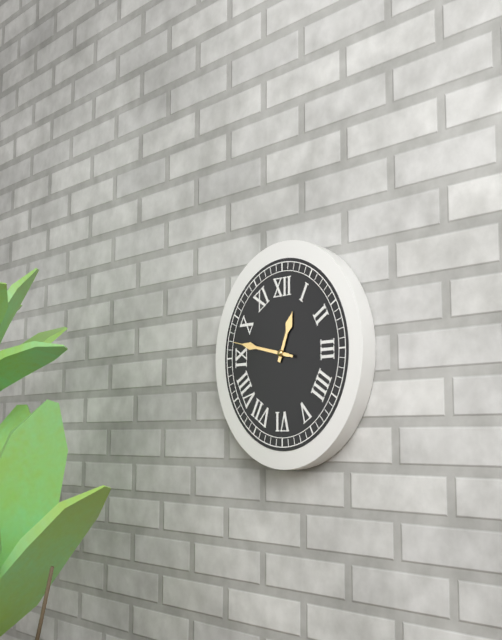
12:47:47
